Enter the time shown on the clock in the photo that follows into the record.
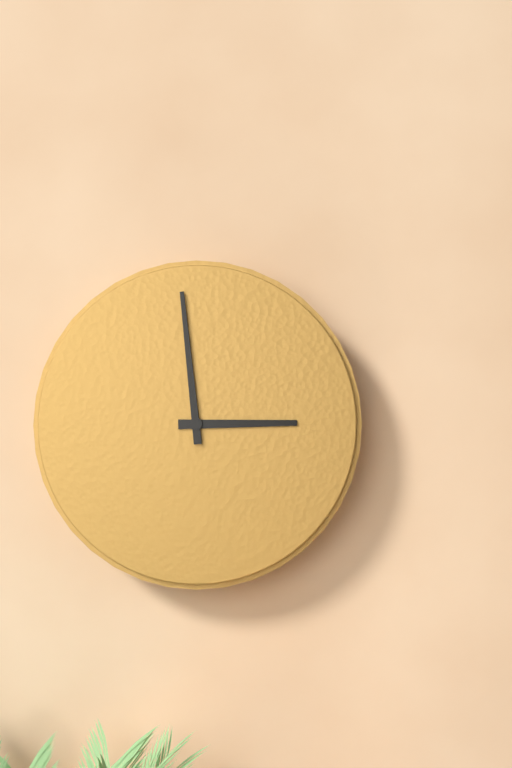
2:59
